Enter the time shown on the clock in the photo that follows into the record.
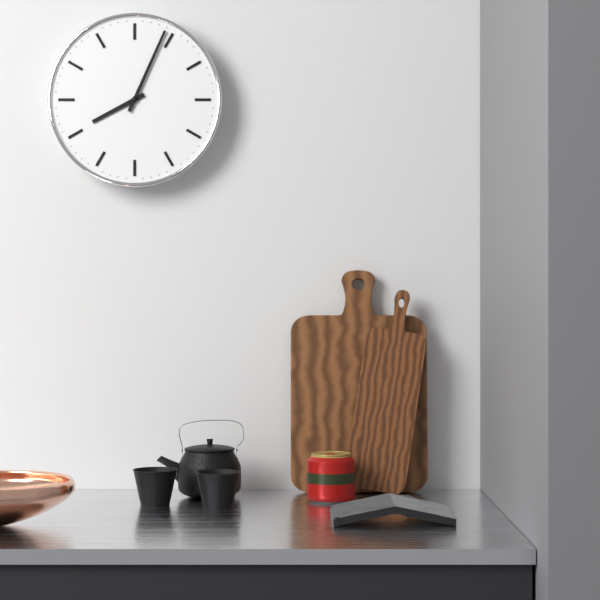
8:04
